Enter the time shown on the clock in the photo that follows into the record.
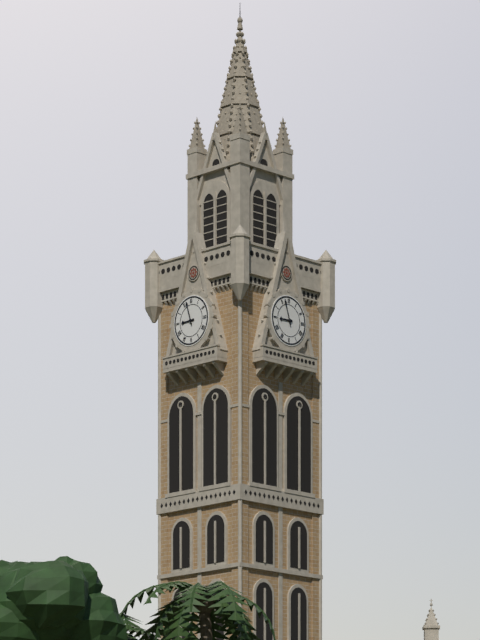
8:57
